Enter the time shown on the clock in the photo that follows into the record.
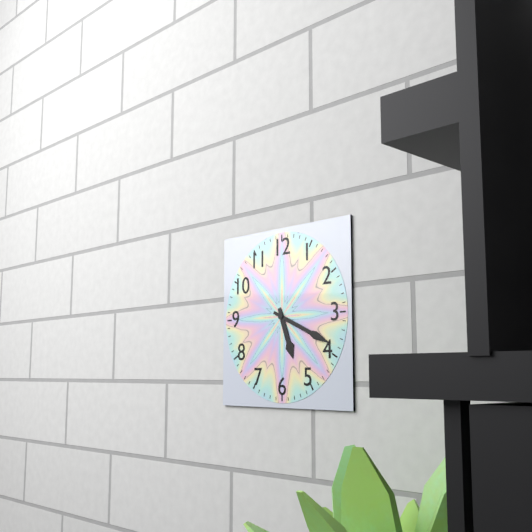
5:19
